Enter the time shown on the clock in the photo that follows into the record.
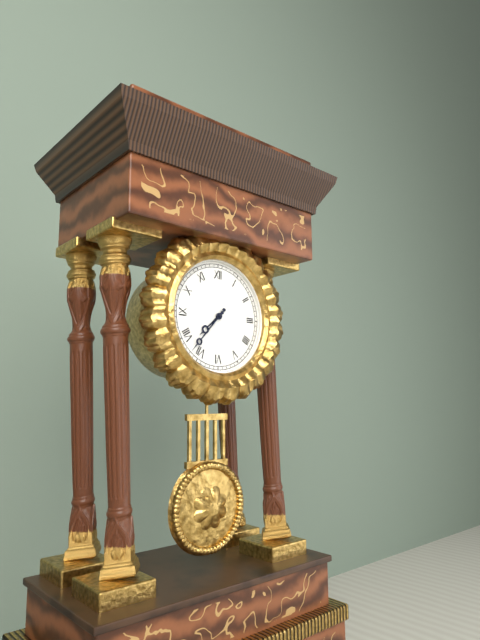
7:37
